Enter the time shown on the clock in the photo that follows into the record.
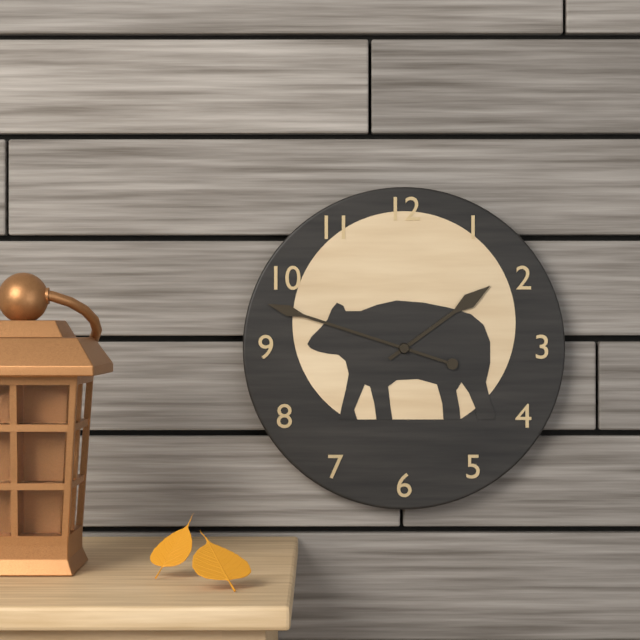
1:48
